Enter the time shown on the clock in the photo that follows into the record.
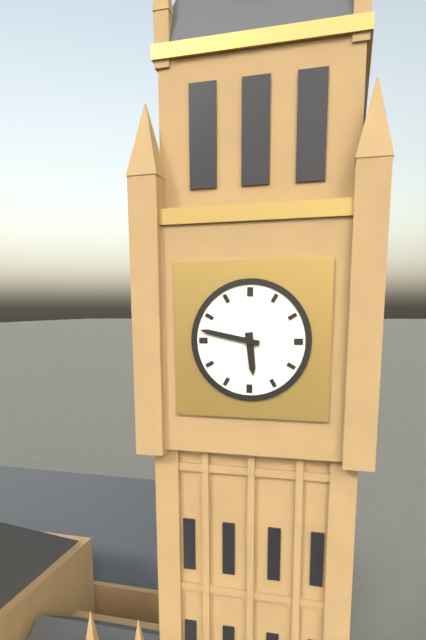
5:47
